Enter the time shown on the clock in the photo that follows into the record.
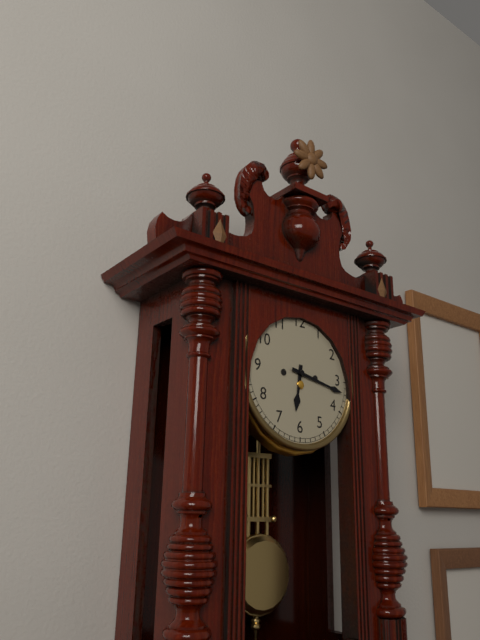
6:17
